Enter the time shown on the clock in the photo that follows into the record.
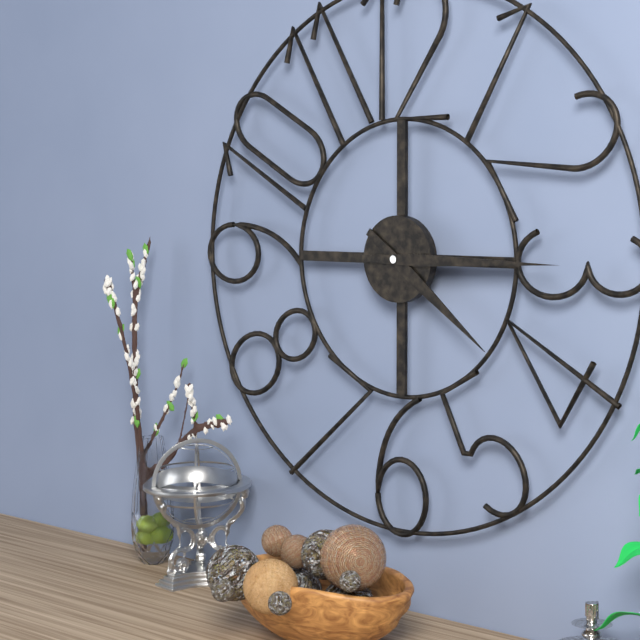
4:15
